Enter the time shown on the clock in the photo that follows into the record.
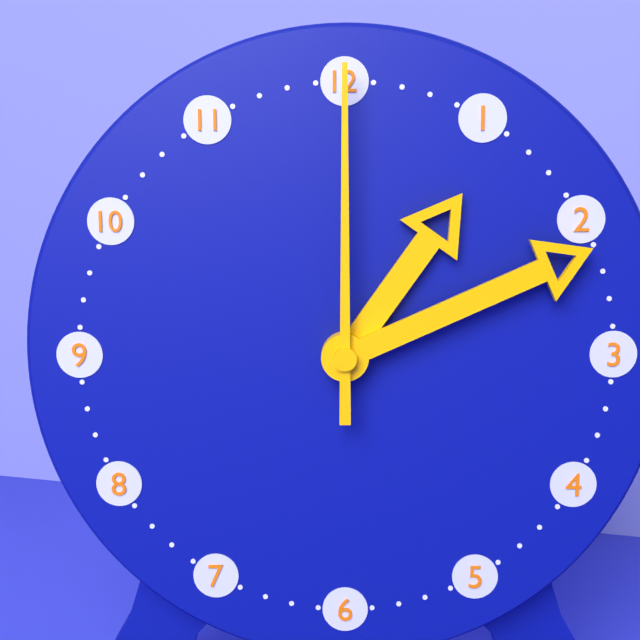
1:11:00
